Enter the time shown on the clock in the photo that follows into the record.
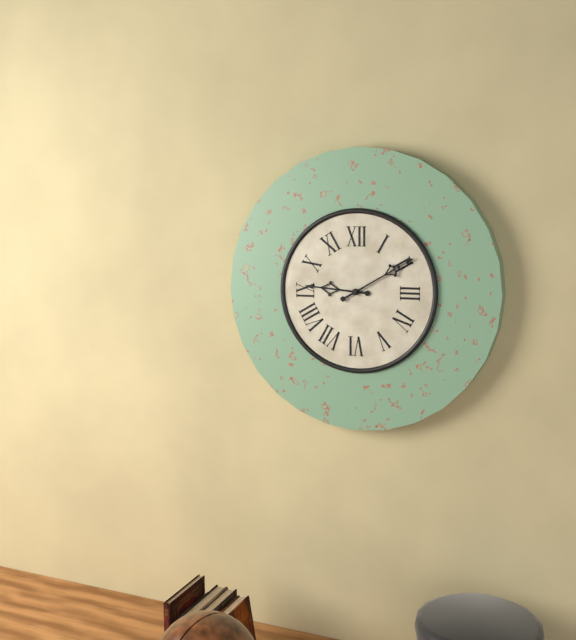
9:10
